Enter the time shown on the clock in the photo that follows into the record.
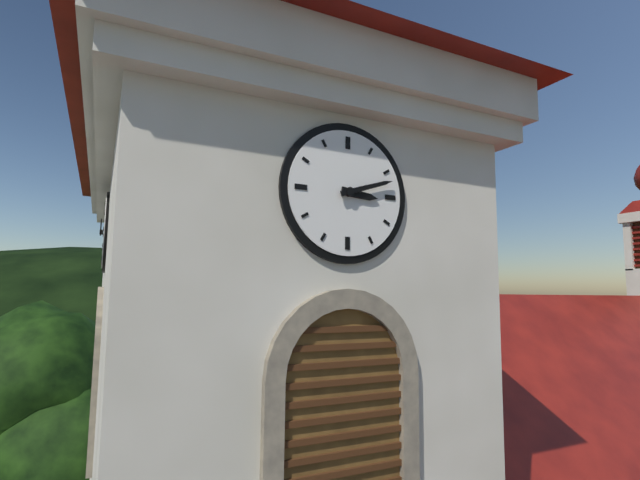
3:12
